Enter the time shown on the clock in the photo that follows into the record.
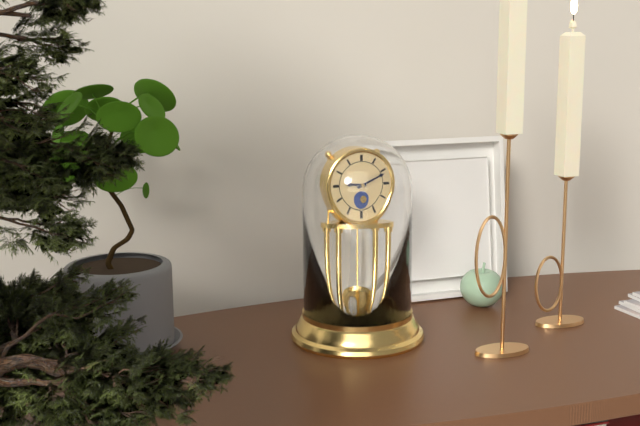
9:11
